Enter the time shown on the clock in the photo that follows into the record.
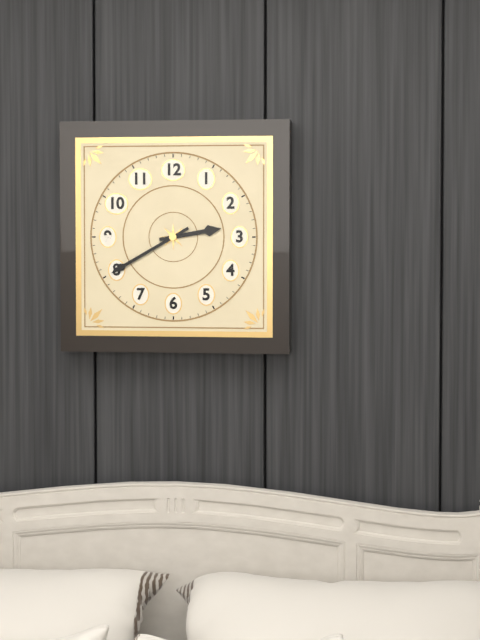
2:40
